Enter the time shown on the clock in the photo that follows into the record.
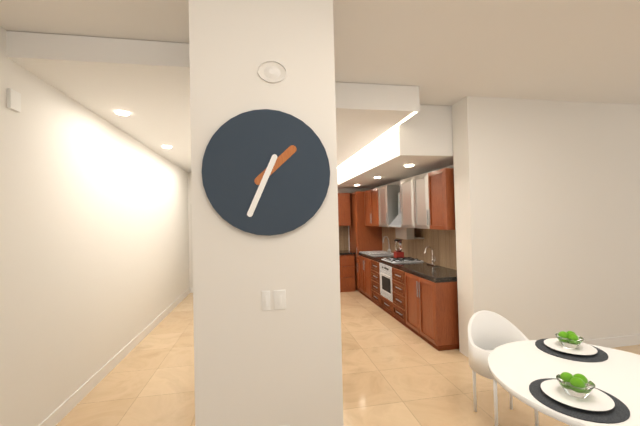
1:34
